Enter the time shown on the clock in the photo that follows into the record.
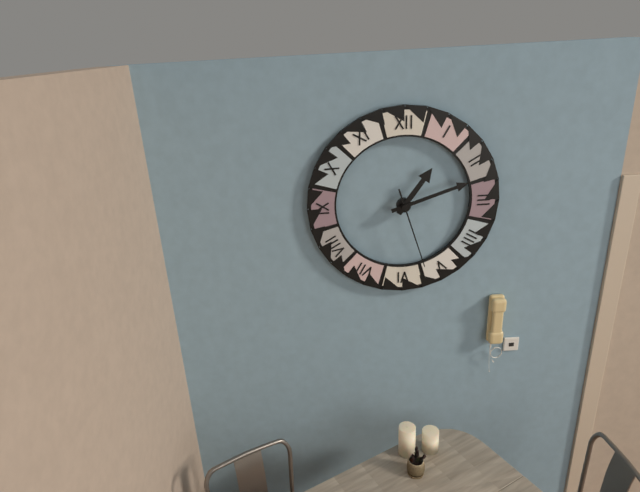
1:12:27
